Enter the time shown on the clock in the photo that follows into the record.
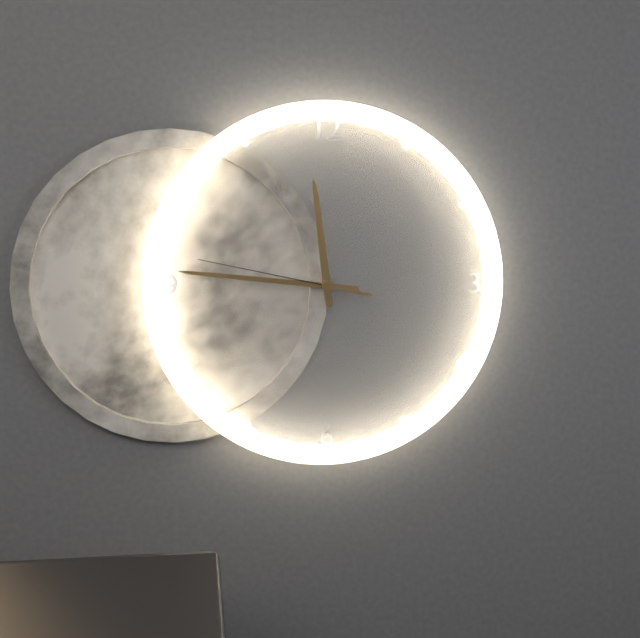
11:46:47
